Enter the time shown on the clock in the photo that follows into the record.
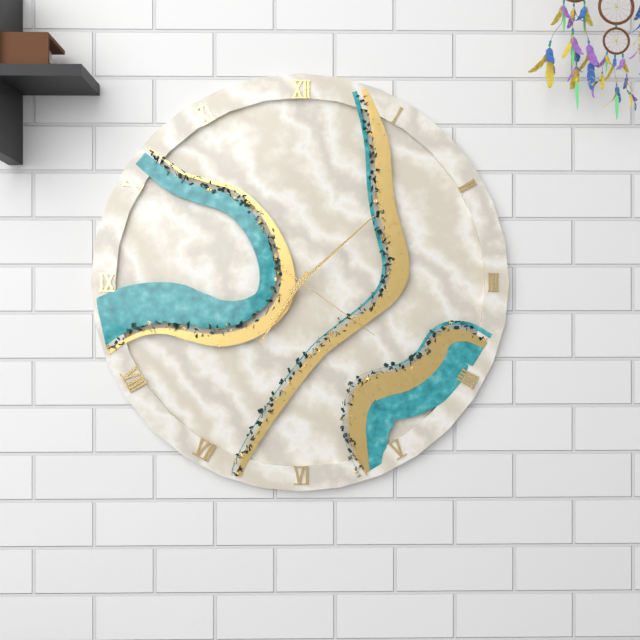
7:08:21
